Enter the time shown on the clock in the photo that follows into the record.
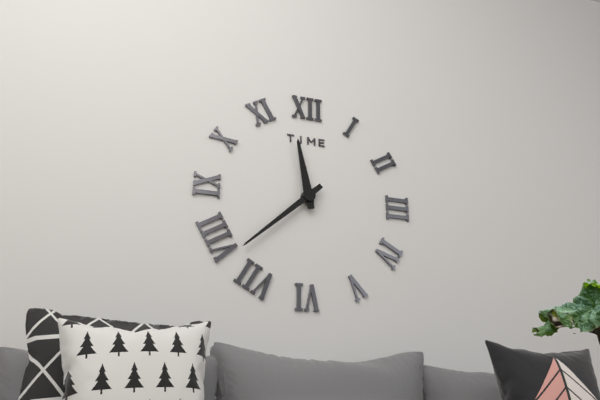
11:38
